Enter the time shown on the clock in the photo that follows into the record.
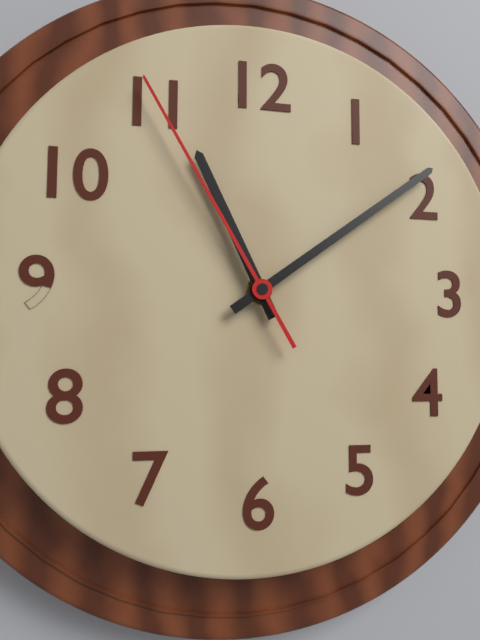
11:09:55
